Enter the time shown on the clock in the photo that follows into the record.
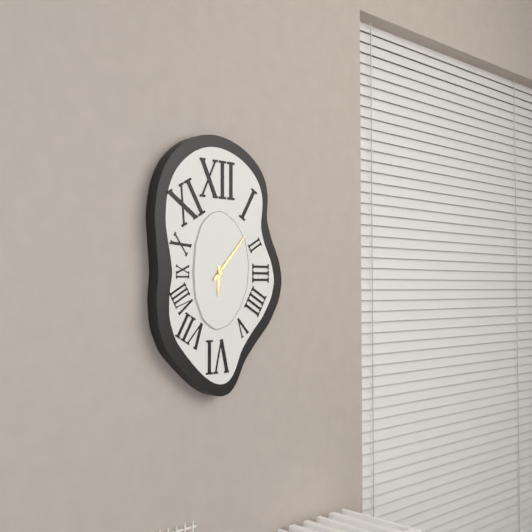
6:07
